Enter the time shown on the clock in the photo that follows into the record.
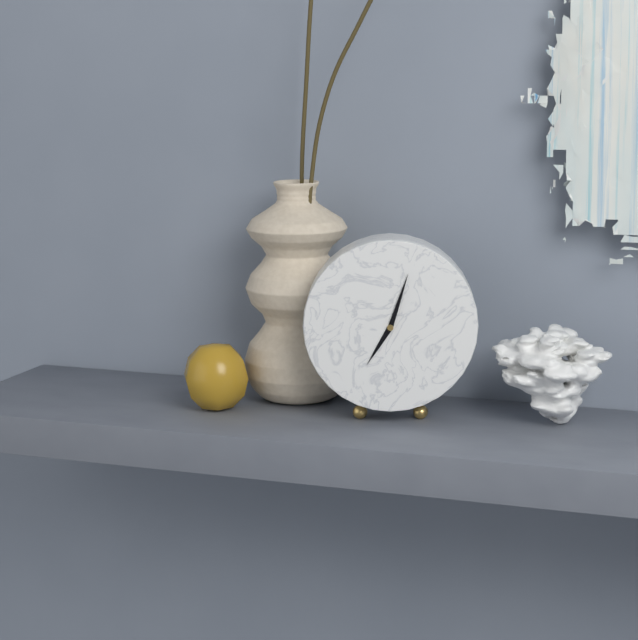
7:03
